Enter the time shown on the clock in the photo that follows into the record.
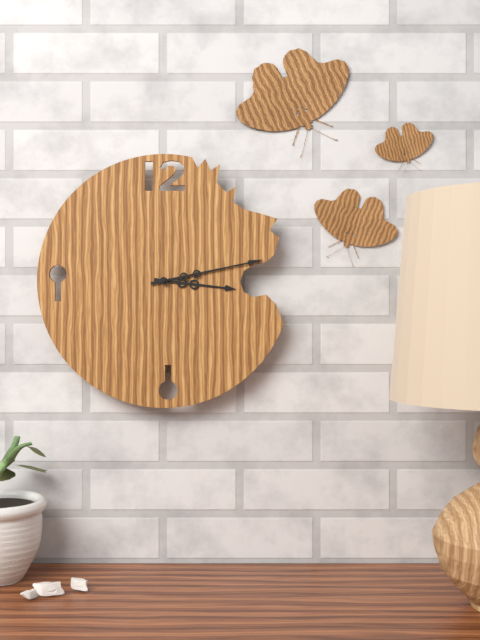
3:13
